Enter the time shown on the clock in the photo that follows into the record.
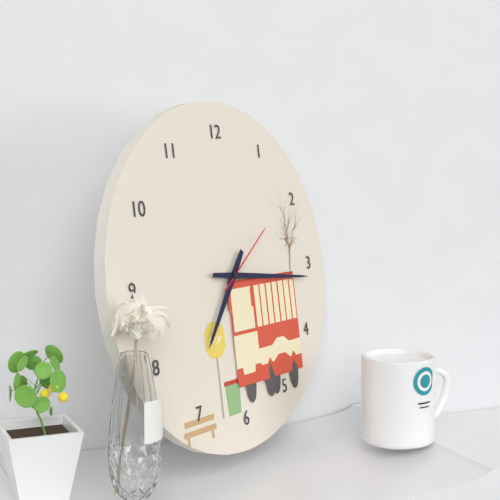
7:16:09
